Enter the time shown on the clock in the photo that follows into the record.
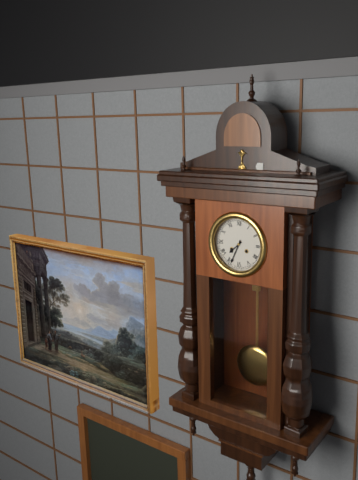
7:34
